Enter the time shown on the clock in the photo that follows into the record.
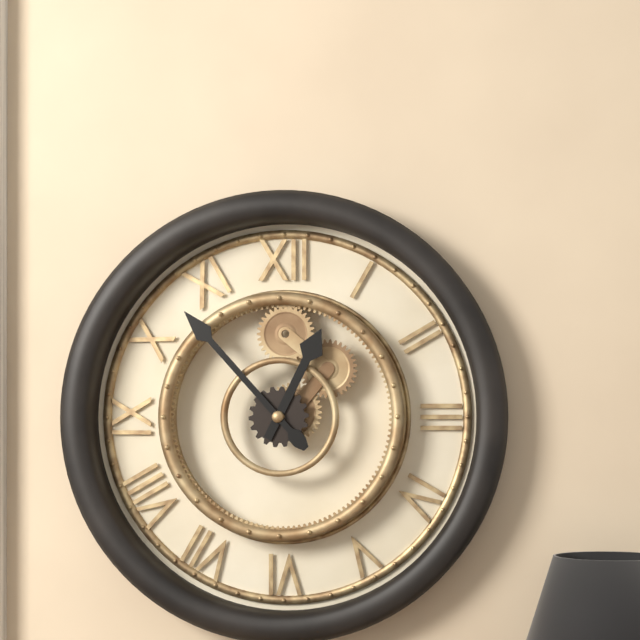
12:53
